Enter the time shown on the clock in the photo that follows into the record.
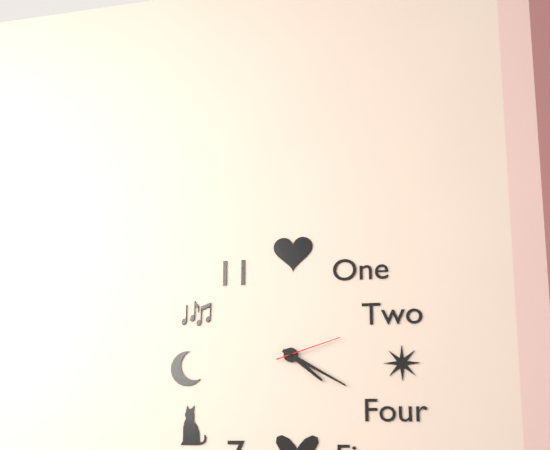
4:20:12
